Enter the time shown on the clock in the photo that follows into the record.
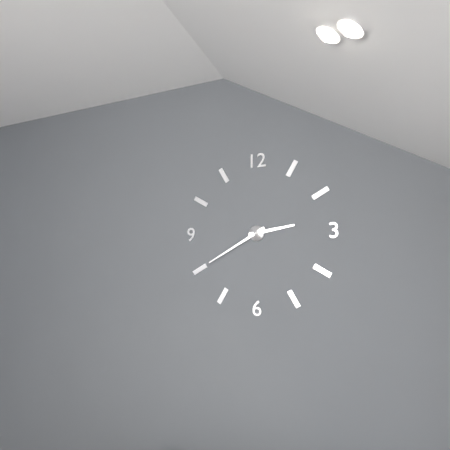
2:40
